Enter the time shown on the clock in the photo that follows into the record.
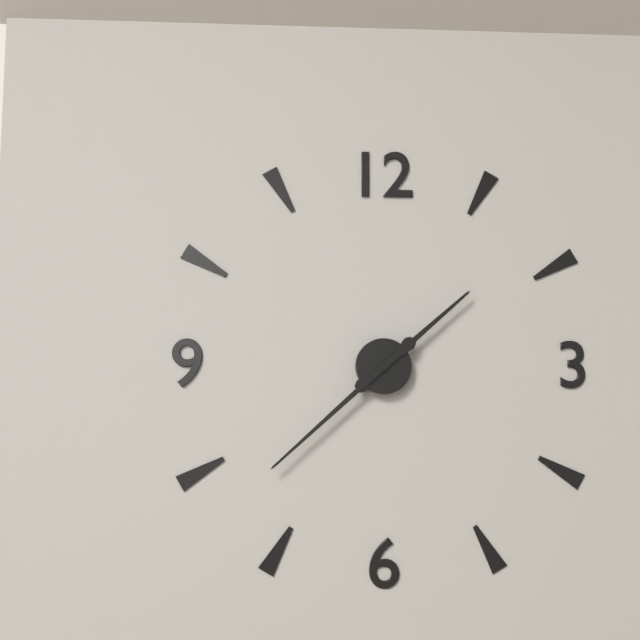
1:38
